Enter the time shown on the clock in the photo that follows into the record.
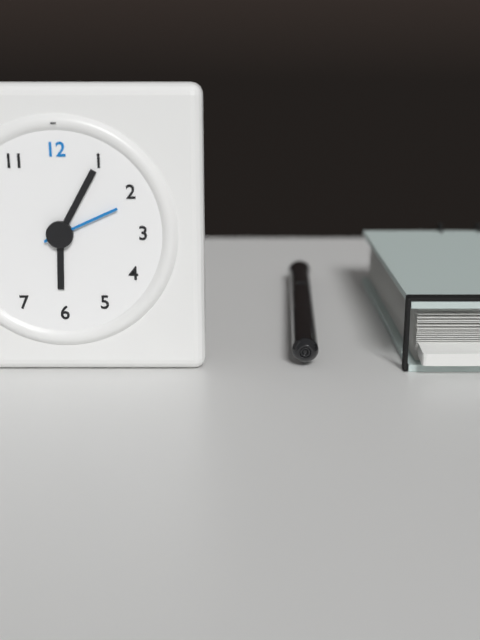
6:05:11
